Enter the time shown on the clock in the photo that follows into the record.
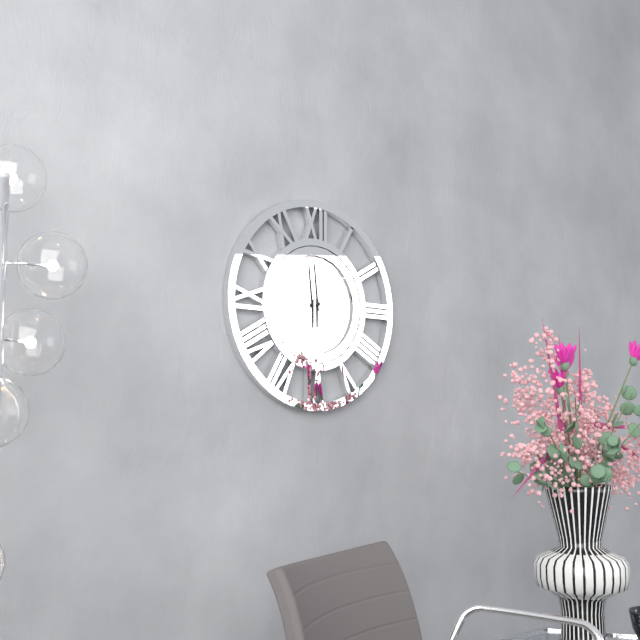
5:59
